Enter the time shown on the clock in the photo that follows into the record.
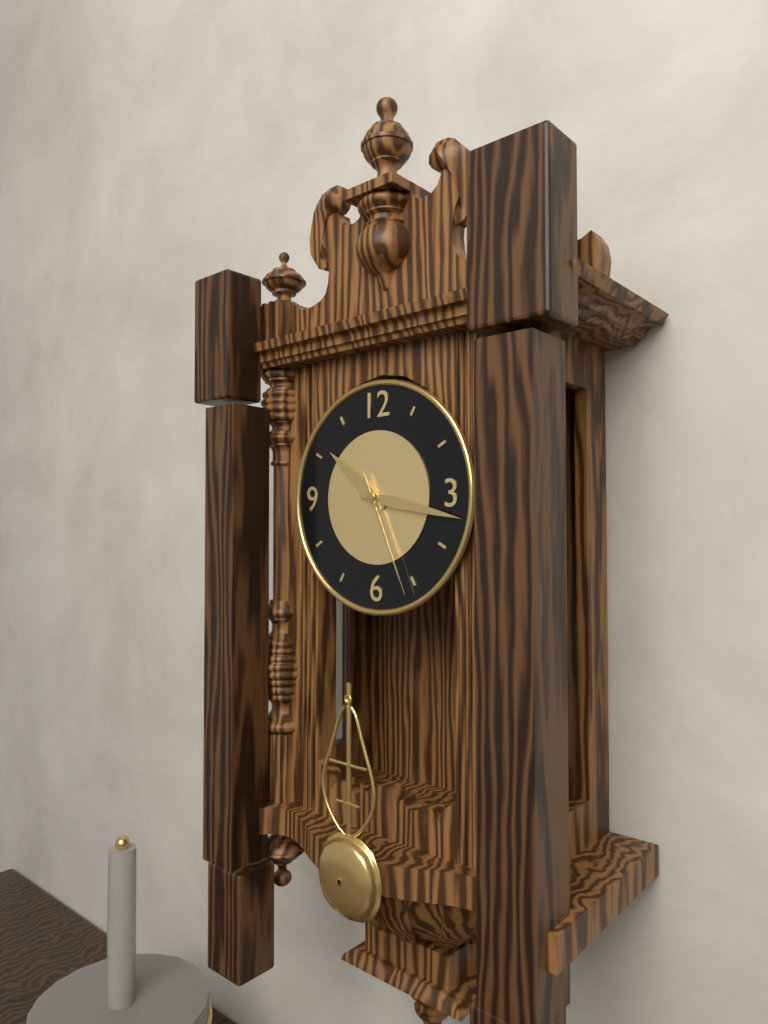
10:17:26
